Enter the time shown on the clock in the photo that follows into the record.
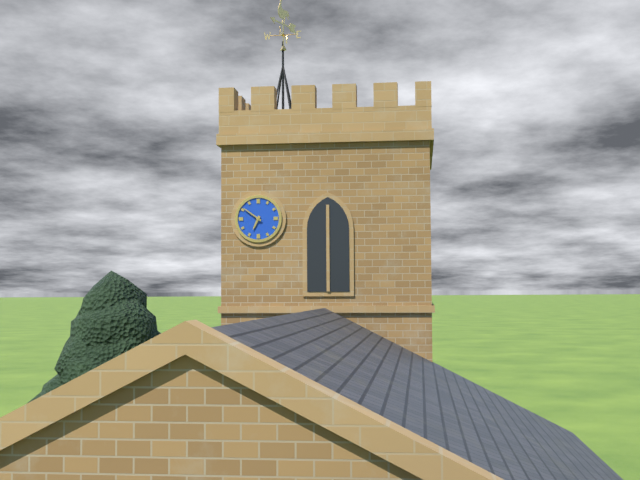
6:51
